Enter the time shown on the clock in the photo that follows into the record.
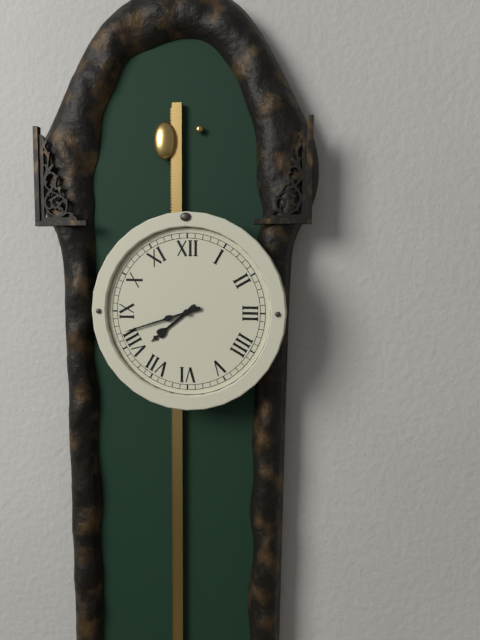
7:42
